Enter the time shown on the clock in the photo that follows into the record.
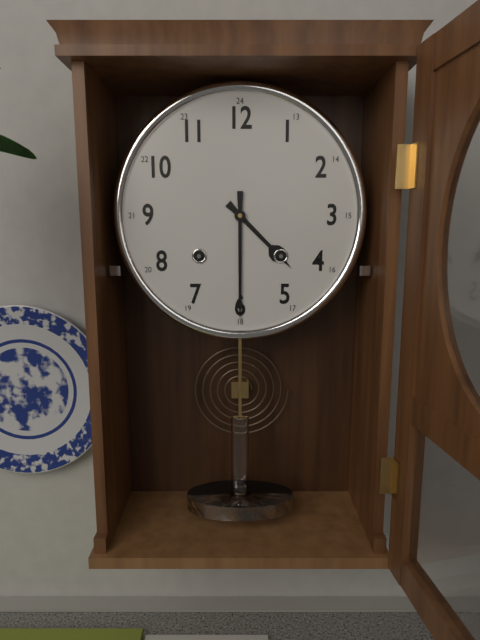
4:30
